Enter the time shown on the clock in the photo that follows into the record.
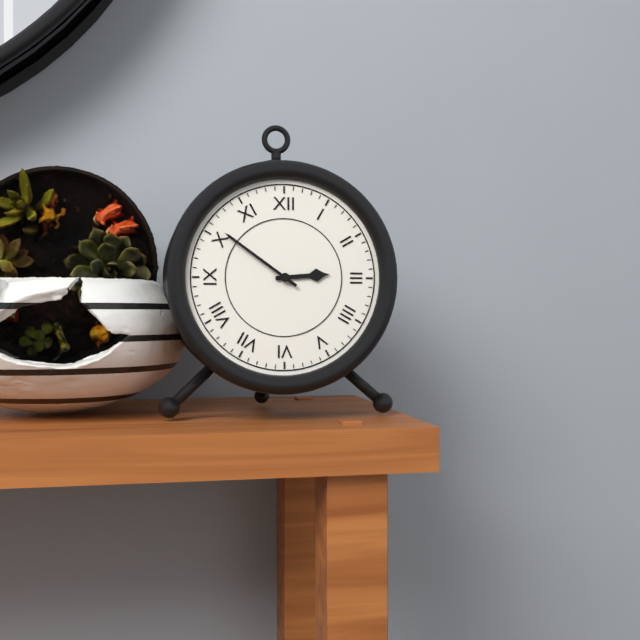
2:51
